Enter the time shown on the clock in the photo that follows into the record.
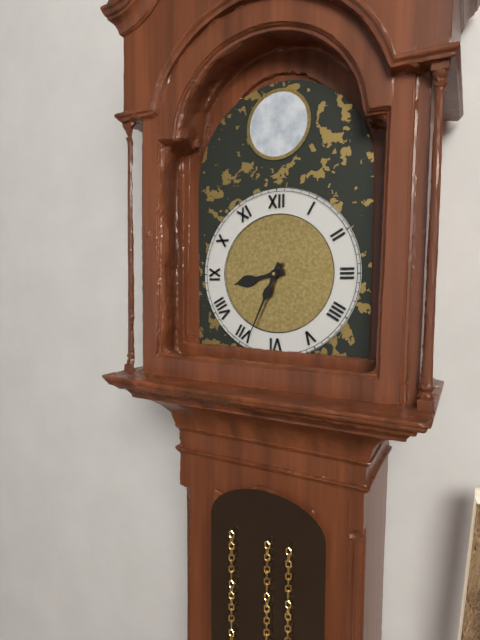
8:34
